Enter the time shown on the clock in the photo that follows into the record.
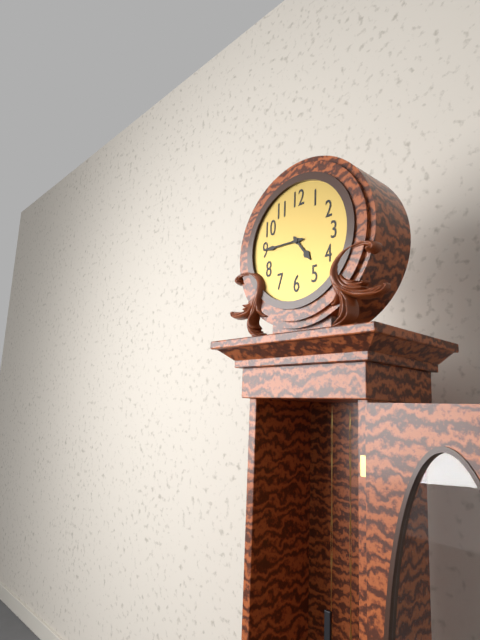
4:45
